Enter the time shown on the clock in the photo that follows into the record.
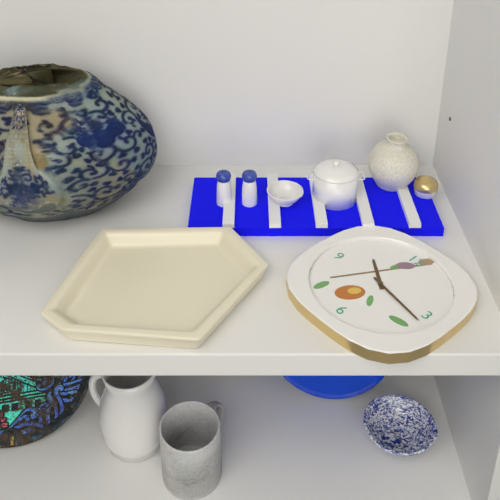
10:17
